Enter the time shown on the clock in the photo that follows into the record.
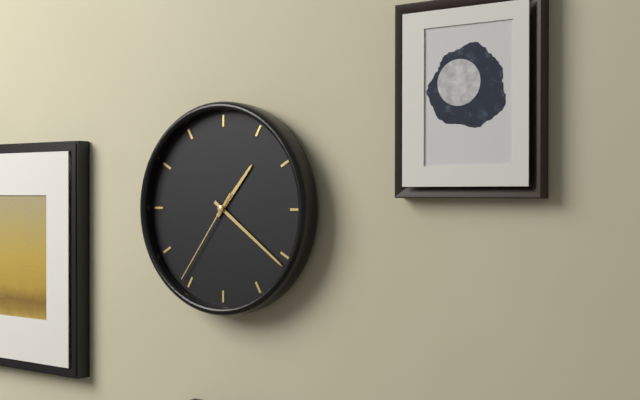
1:21:36
